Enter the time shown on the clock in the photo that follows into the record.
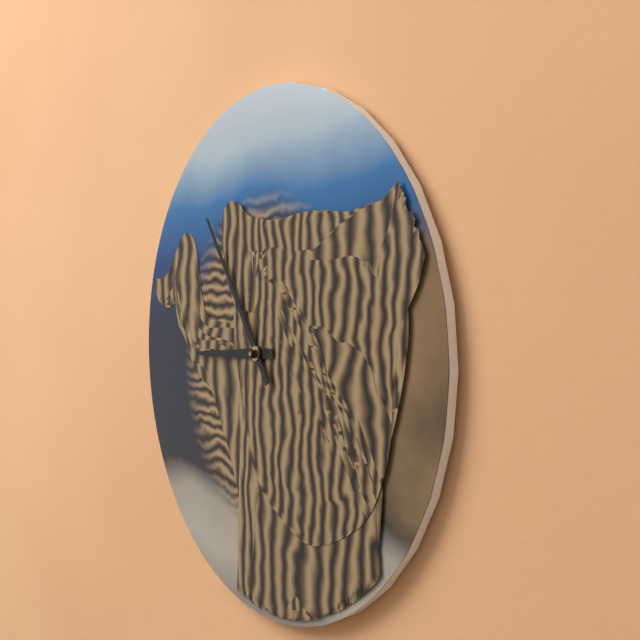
8:54
